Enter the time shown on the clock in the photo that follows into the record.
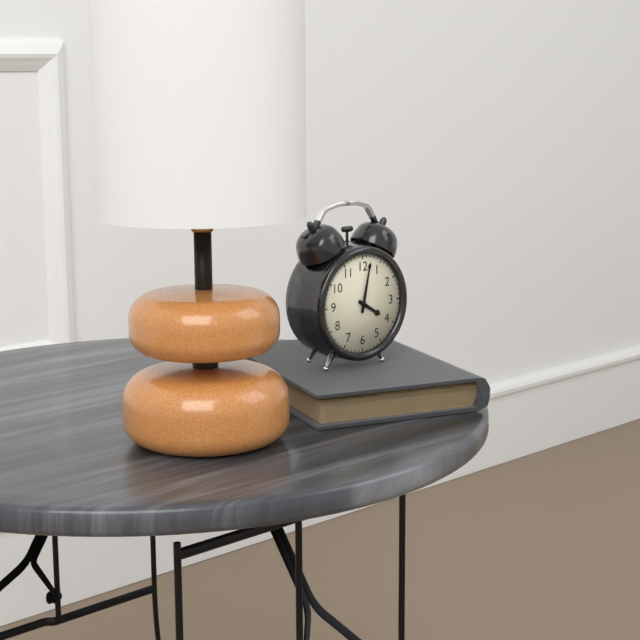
4:02
